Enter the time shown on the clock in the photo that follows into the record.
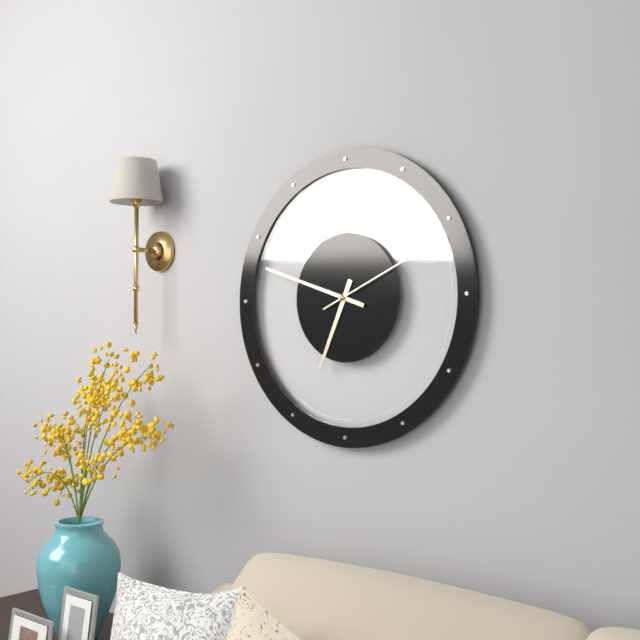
6:48:11
